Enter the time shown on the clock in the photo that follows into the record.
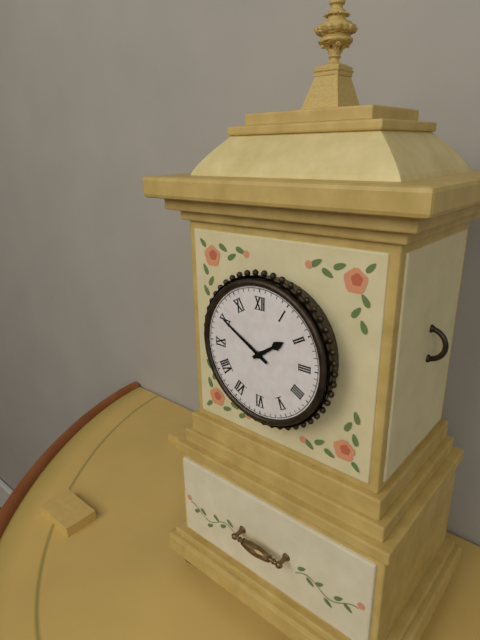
1:50
